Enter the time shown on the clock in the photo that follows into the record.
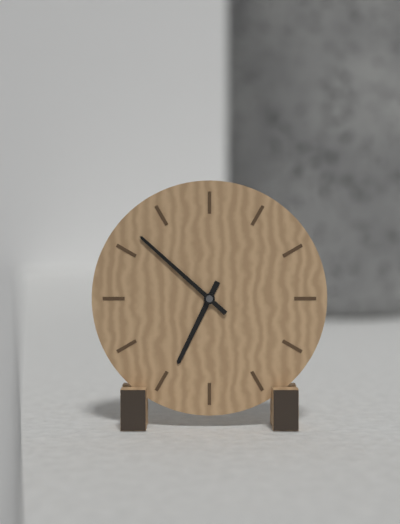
6:52
